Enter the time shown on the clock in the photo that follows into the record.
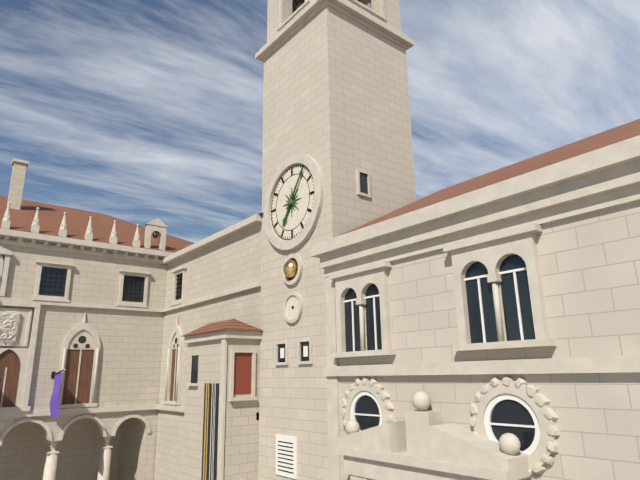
7:06
